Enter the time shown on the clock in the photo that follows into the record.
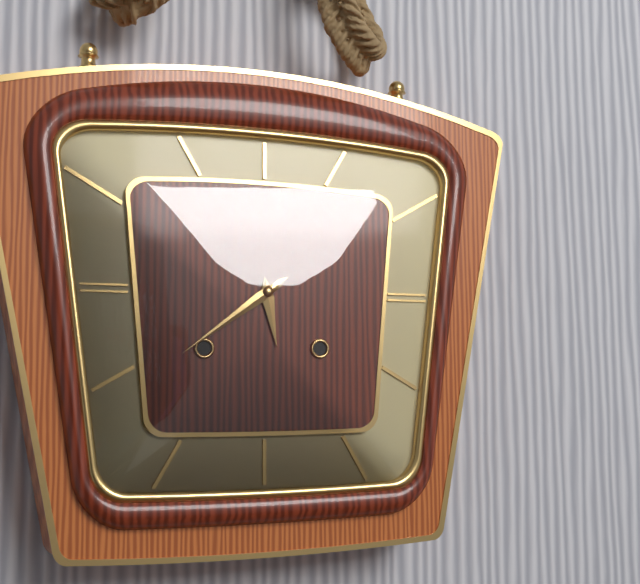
5:39
